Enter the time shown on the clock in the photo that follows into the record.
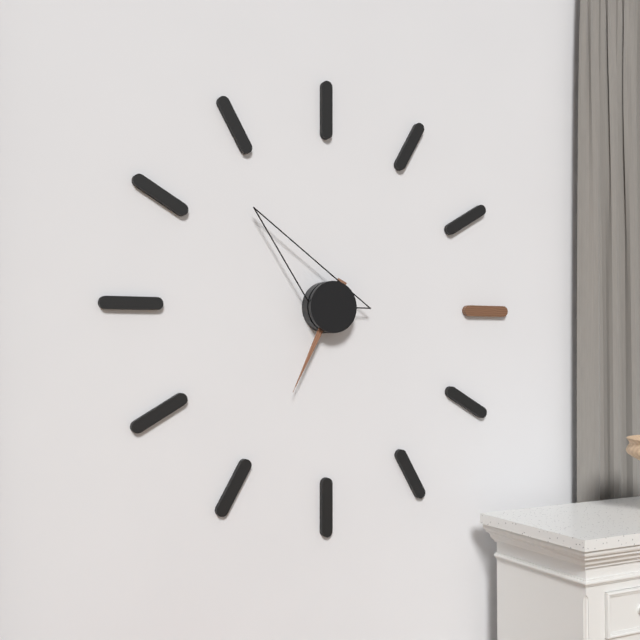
6:53
